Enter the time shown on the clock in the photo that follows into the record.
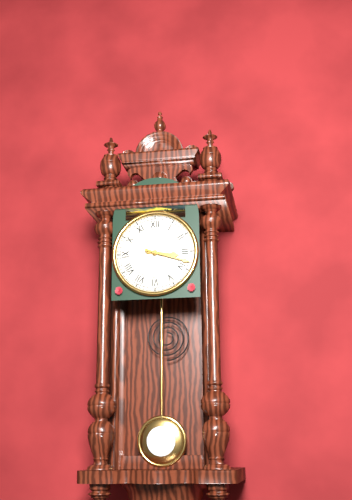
3:18
